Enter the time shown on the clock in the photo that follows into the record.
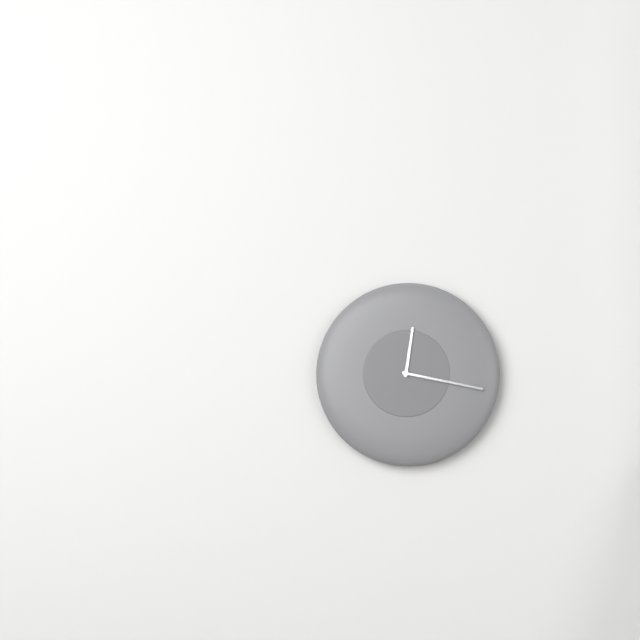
12:17
